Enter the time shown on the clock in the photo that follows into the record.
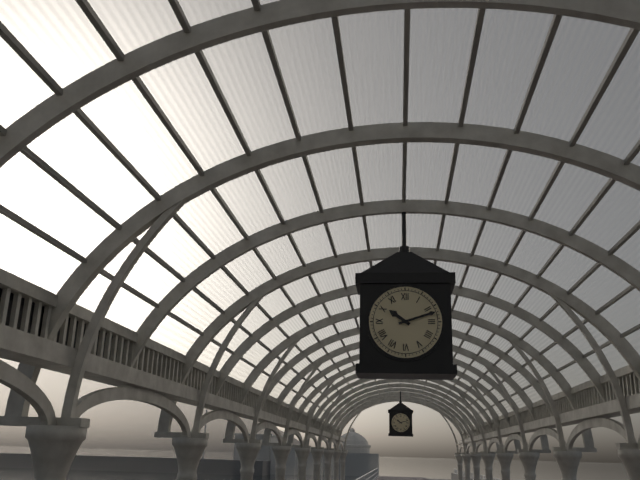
10:12
